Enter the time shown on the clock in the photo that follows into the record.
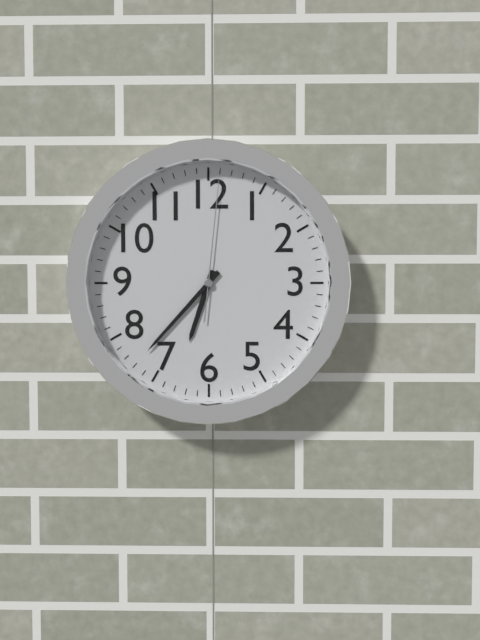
6:37:01
